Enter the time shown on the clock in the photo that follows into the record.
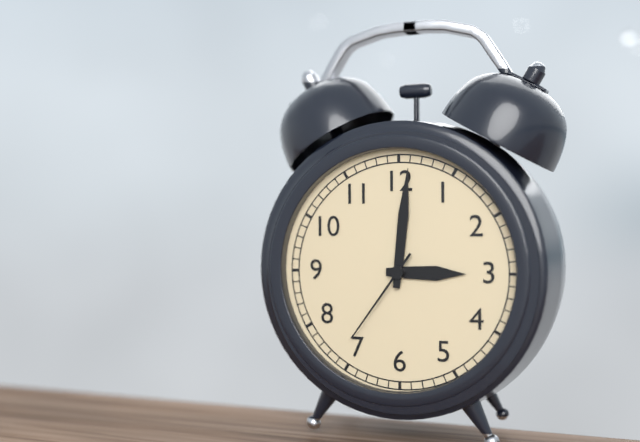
3:01:36
